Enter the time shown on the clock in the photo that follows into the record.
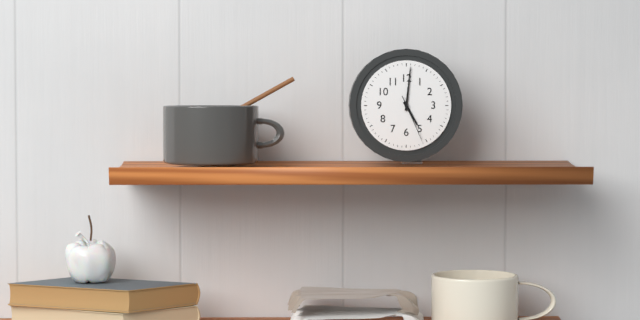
5:01
